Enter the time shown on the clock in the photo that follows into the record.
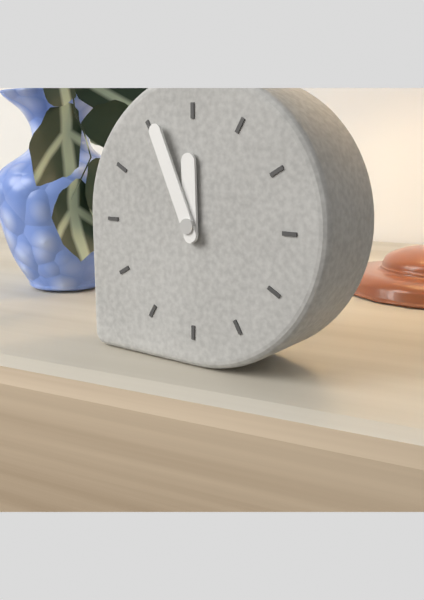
11:56
